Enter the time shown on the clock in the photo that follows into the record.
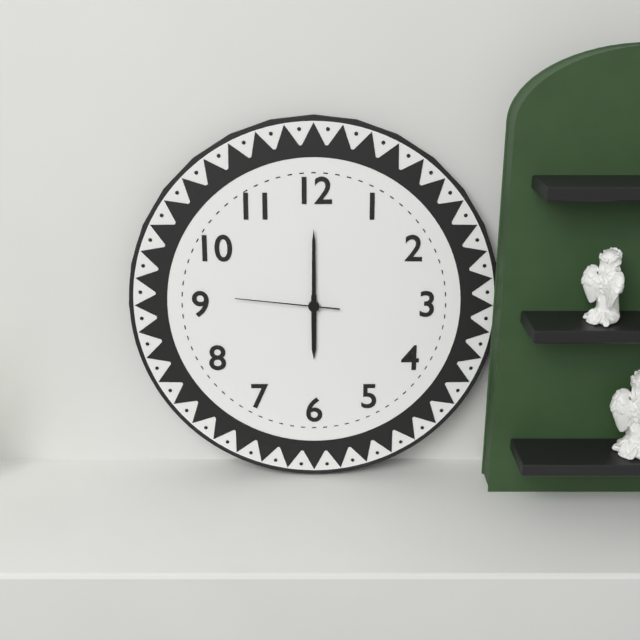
6:00:46
